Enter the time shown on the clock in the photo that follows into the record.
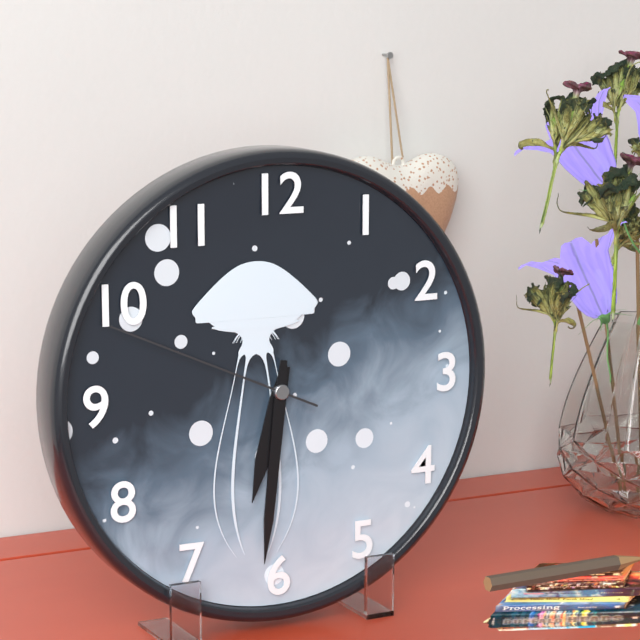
6:31:49
